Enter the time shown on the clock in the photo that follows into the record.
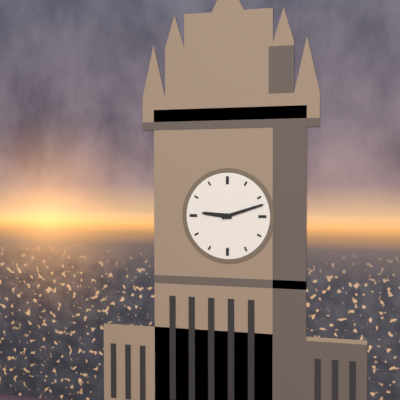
9:12
